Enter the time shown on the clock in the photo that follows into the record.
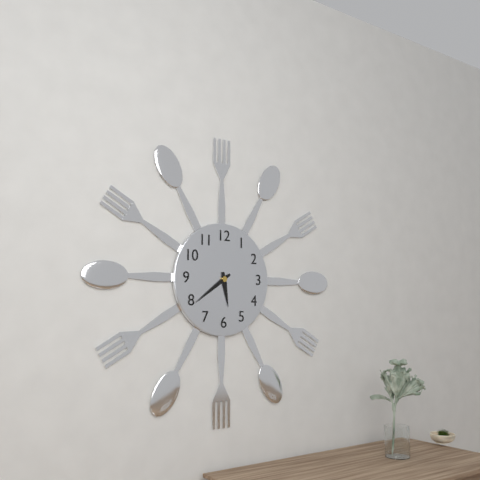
5:39
